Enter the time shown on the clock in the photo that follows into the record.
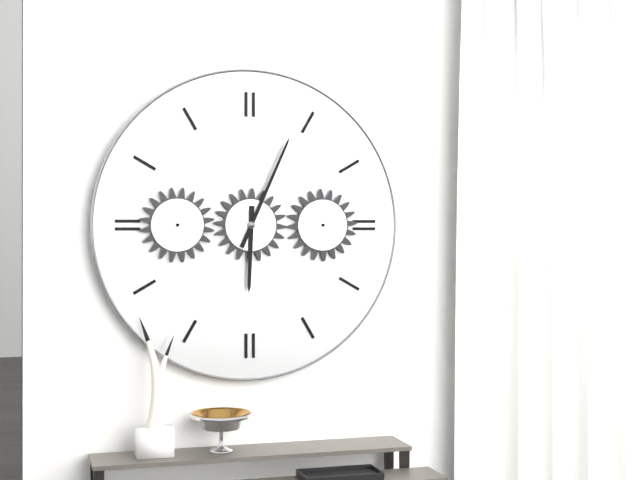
6:04
